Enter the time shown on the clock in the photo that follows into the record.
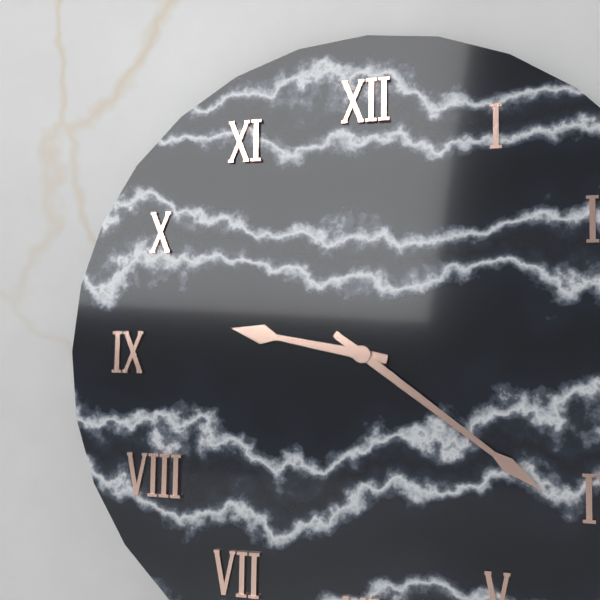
9:21
